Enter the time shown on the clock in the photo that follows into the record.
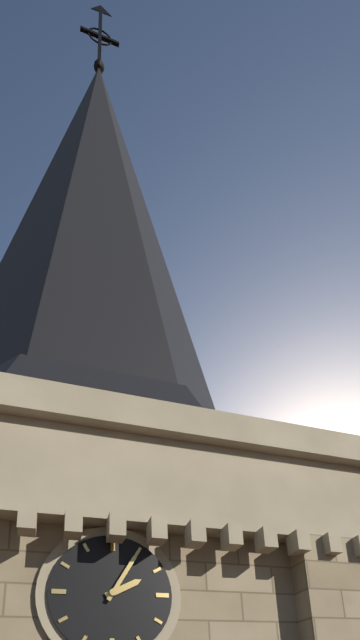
2:05
